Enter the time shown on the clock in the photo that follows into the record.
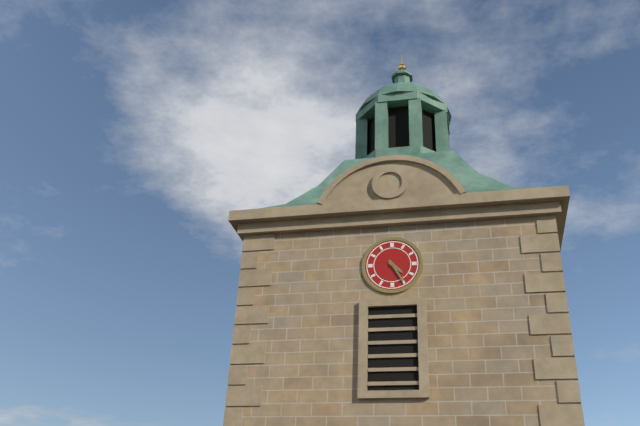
4:25
